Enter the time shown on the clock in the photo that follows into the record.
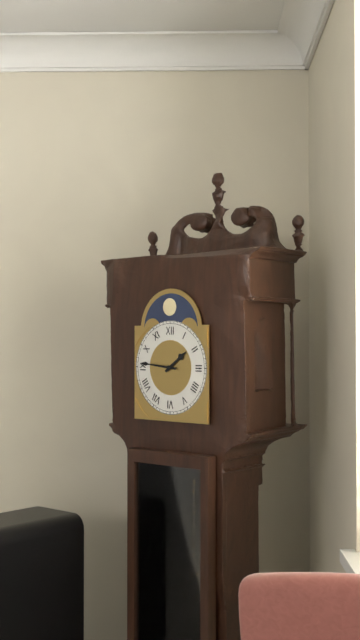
1:46
